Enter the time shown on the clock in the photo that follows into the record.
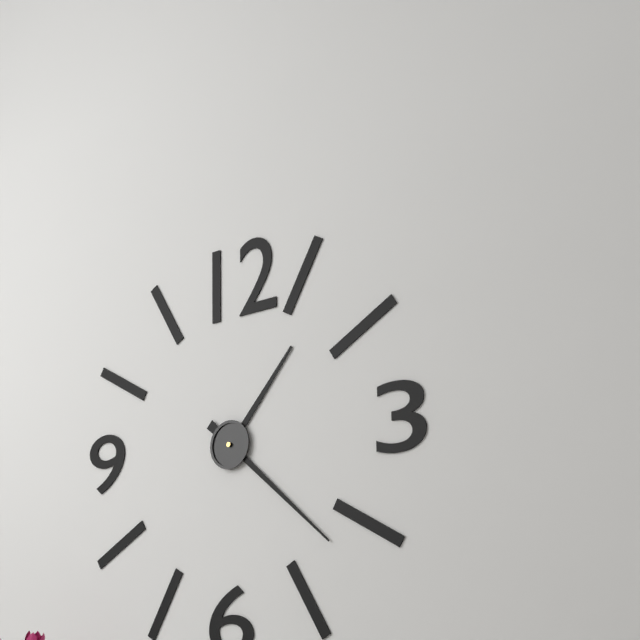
1:22
